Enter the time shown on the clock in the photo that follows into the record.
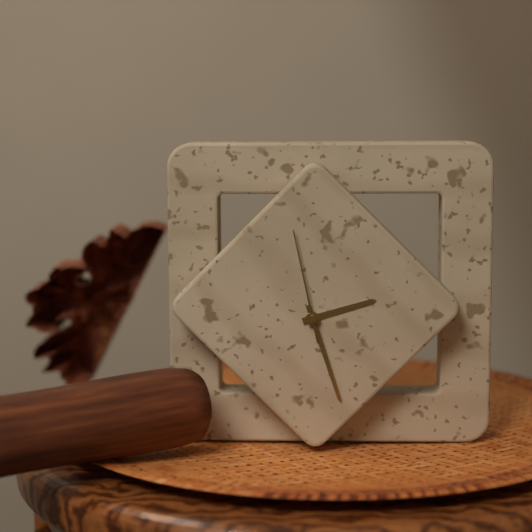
2:27:58
